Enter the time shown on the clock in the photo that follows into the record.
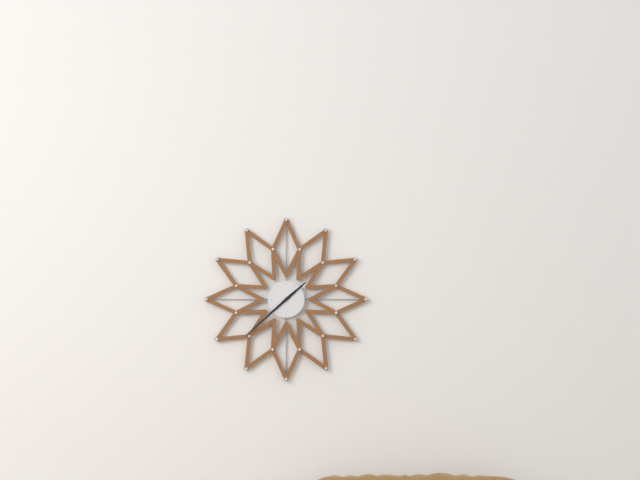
1:38
